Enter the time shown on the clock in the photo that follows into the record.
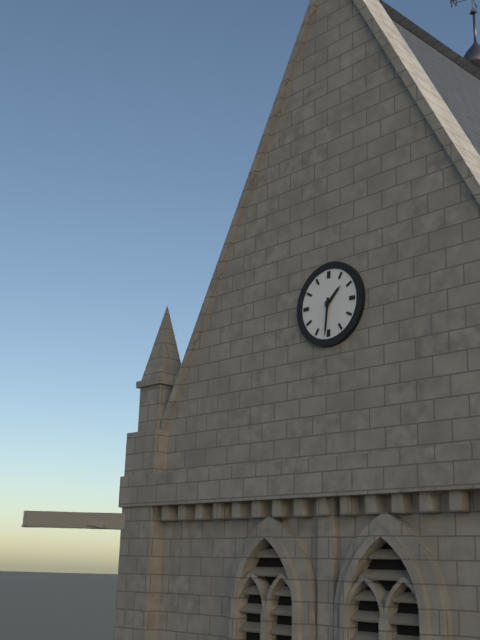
1:31
